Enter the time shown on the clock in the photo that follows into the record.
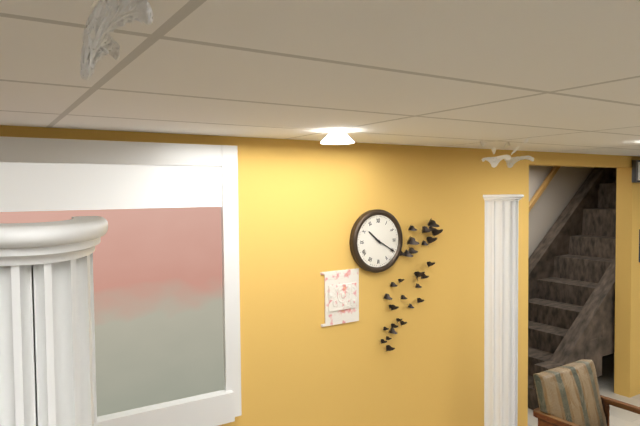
10:20
